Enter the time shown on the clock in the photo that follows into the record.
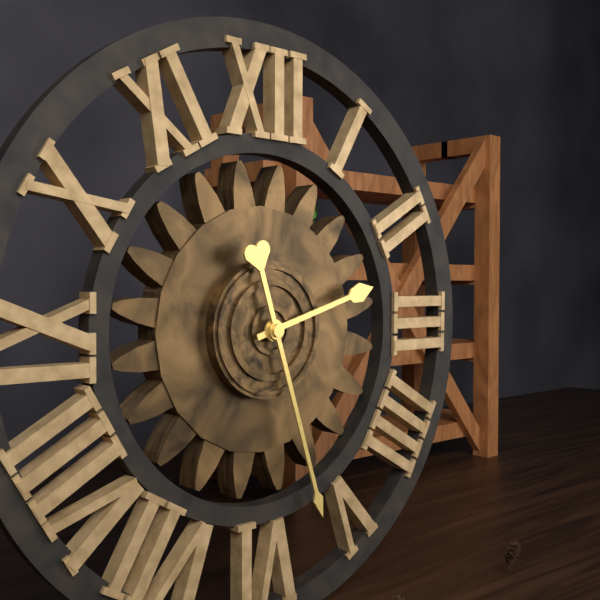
2:27
